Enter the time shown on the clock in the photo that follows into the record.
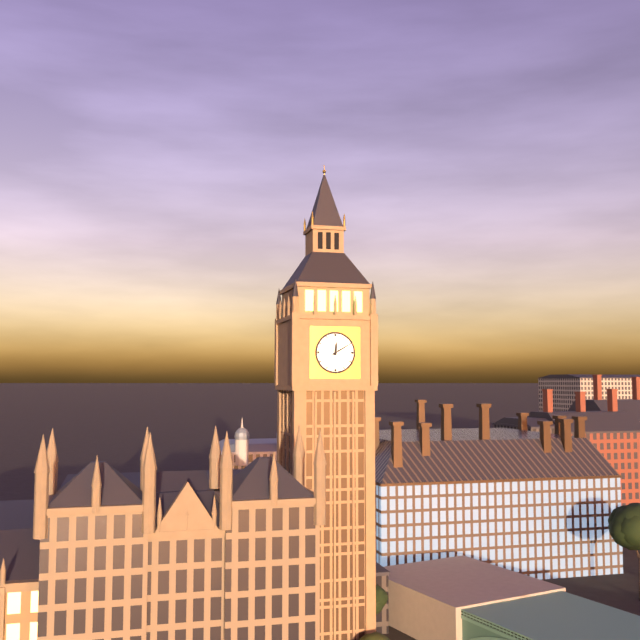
12:10
